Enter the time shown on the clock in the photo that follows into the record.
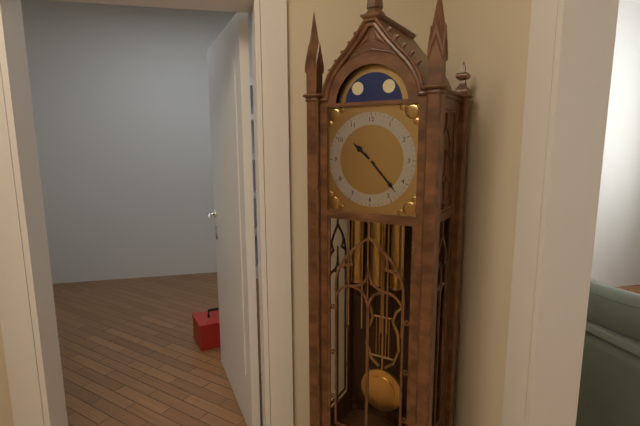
10:23
